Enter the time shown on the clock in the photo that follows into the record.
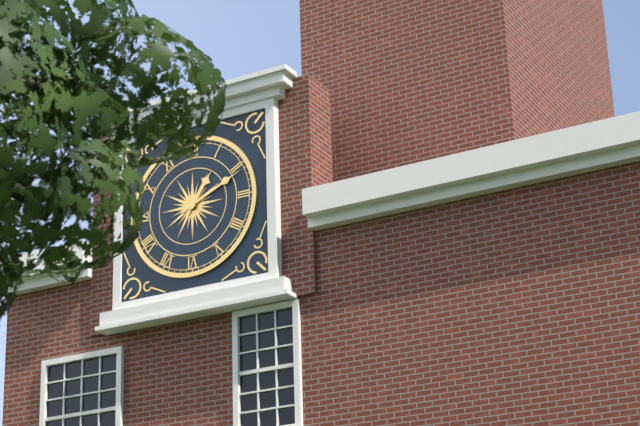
1:11
